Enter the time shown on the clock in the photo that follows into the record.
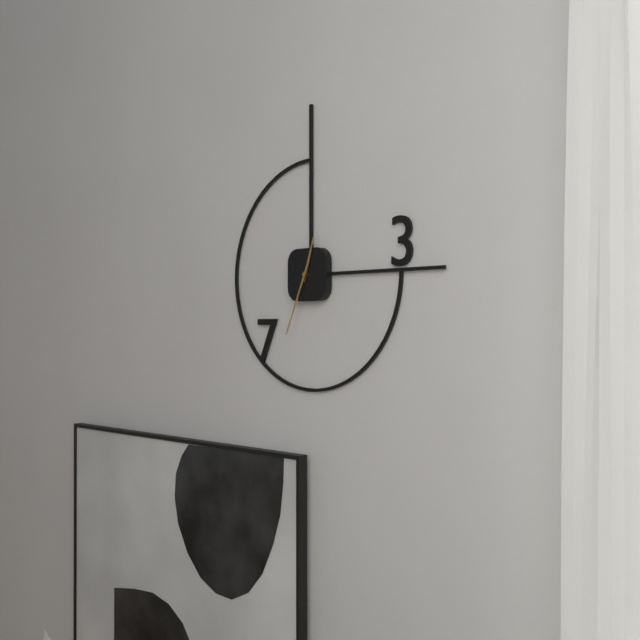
12:34
